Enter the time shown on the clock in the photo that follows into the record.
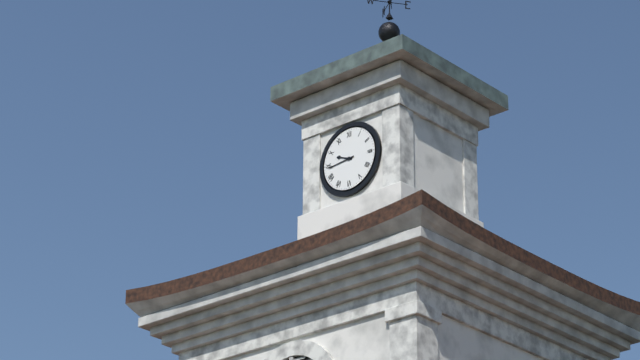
9:44
